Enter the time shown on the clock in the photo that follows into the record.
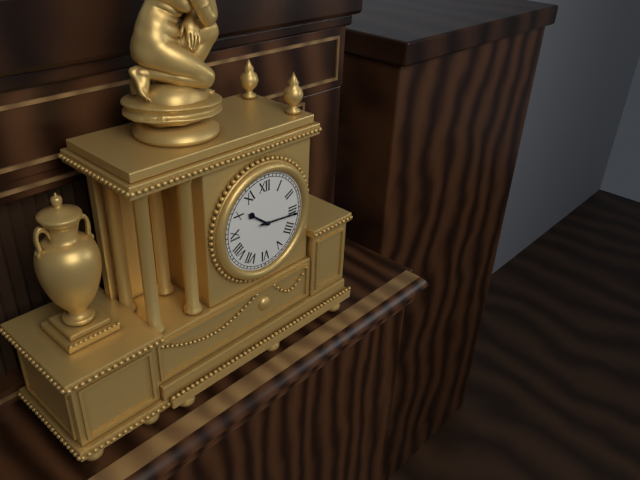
10:16
